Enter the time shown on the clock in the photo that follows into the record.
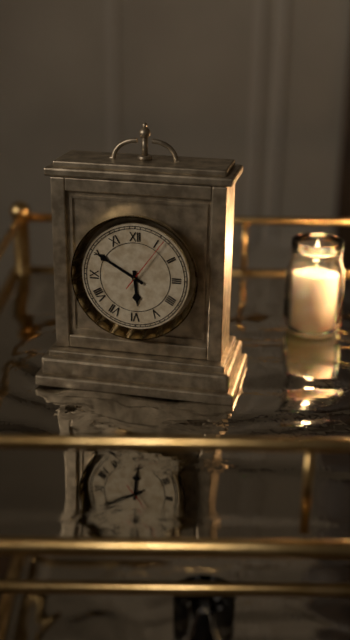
5:50:06
